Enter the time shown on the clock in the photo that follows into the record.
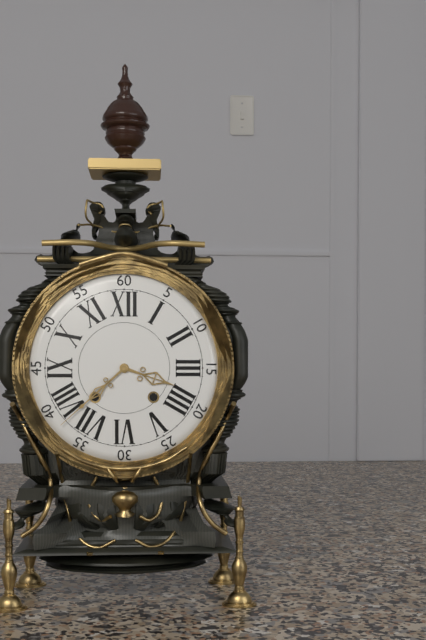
3:38
